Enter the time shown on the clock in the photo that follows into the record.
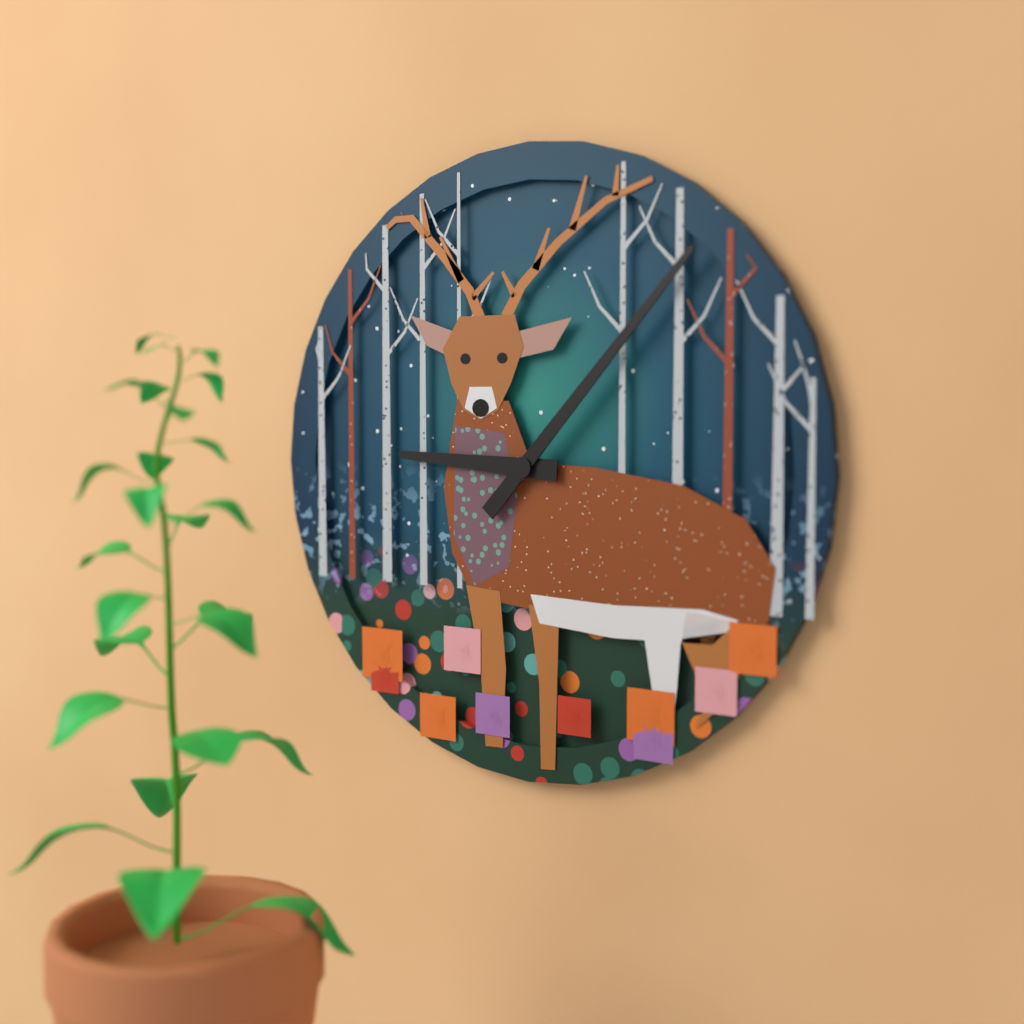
9:07
